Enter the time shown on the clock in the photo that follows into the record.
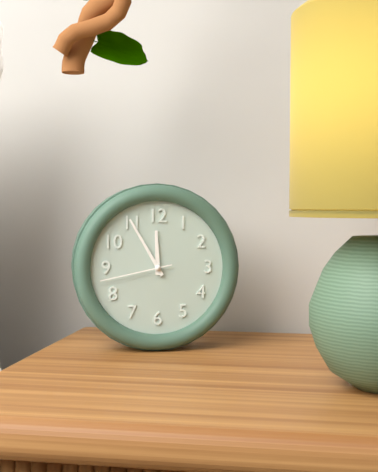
11:55:43
